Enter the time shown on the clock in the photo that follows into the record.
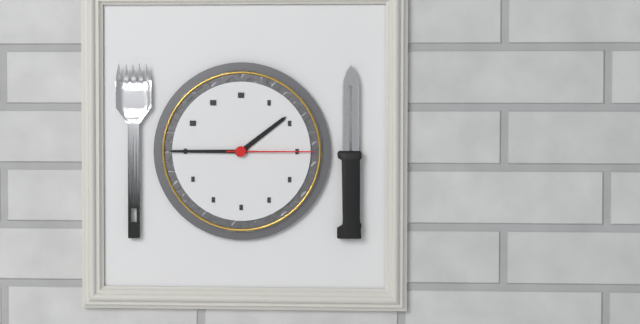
1:45:15
